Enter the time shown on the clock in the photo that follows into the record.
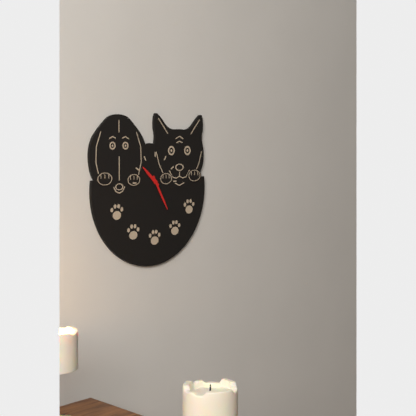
10:25
